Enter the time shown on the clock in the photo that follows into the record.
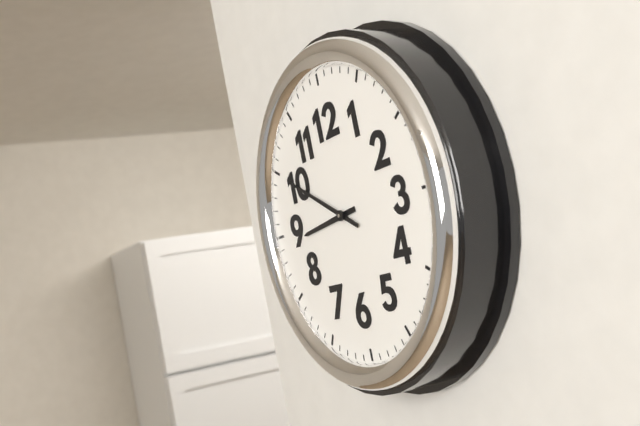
8:50
